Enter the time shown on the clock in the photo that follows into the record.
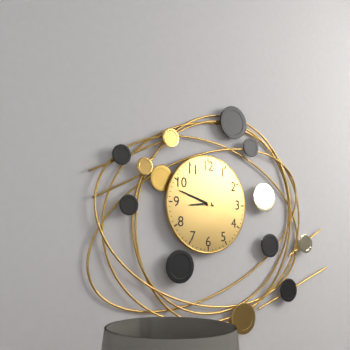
8:48
